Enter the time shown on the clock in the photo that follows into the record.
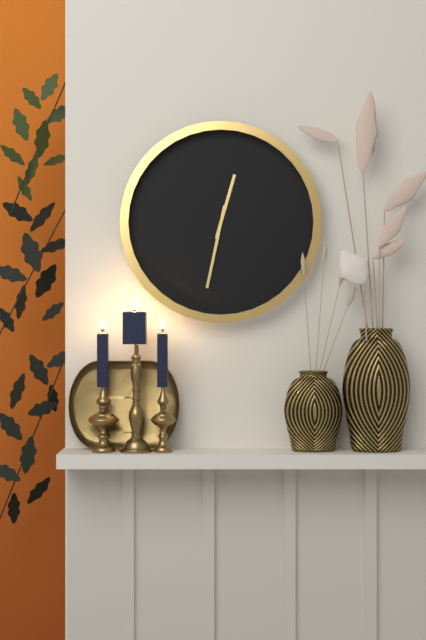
12:32
